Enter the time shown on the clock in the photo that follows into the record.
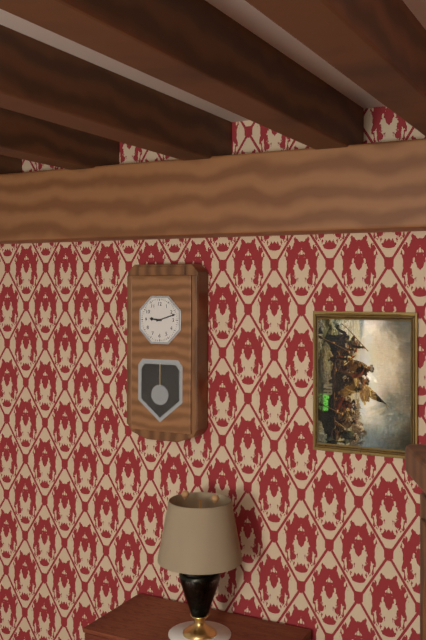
9:12
